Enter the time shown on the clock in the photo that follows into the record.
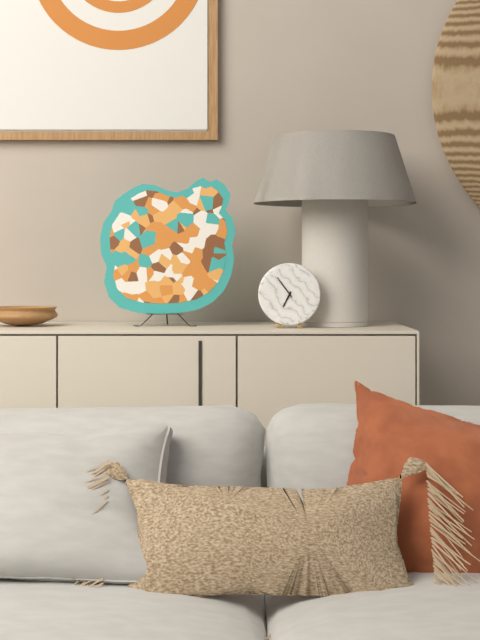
6:54
